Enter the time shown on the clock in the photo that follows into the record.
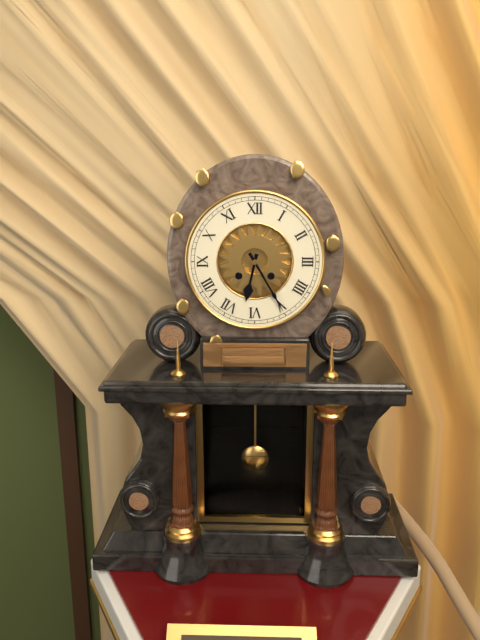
6:25
